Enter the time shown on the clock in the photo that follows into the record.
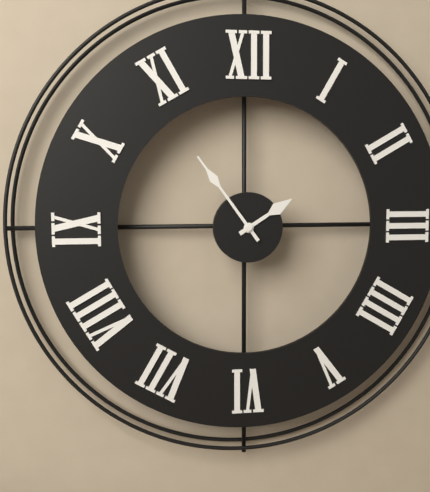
1:54
